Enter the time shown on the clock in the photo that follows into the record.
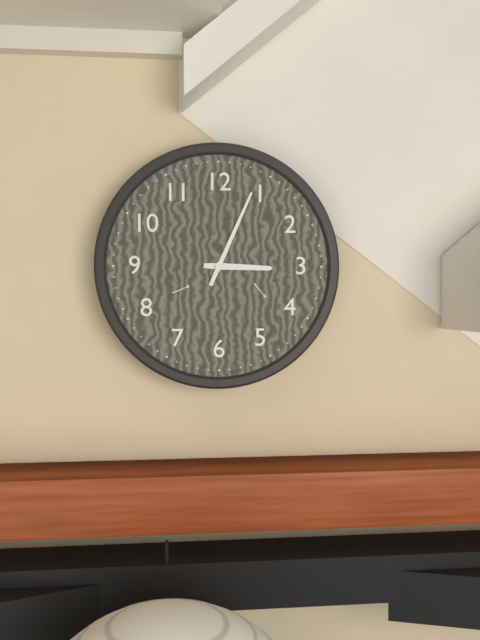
3:04
